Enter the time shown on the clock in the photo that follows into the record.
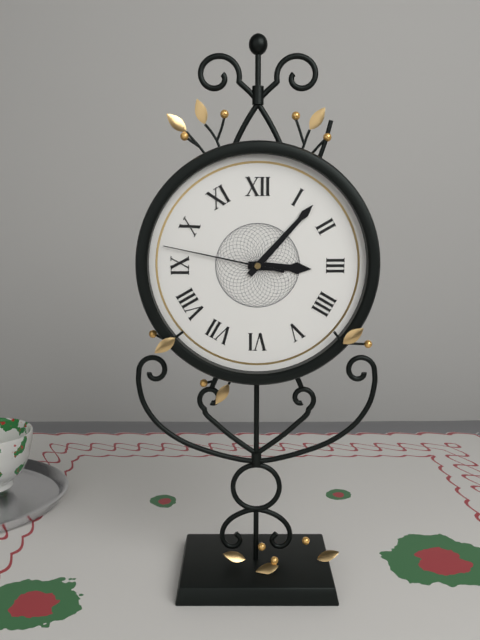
3:07:47
